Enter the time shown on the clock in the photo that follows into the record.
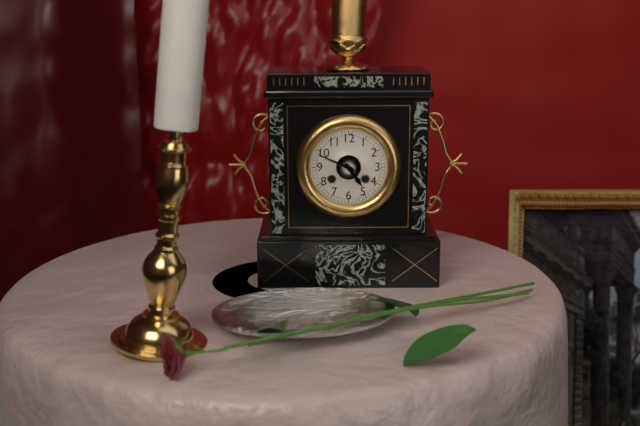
4:49
